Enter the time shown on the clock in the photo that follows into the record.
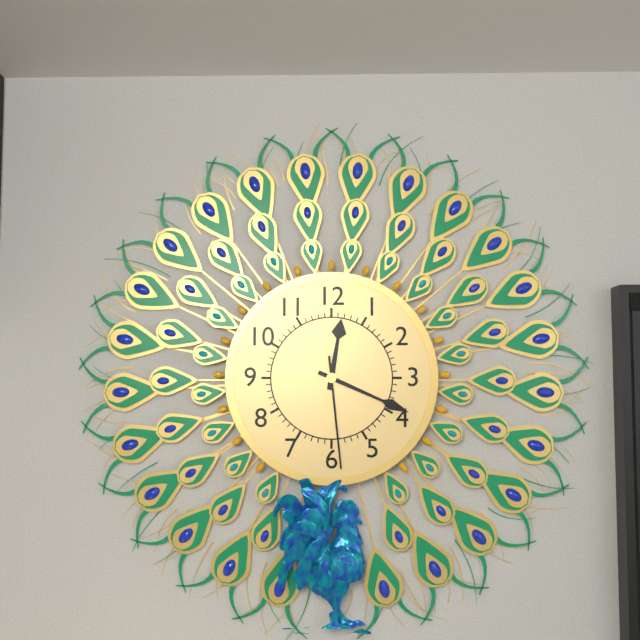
12:19:29
